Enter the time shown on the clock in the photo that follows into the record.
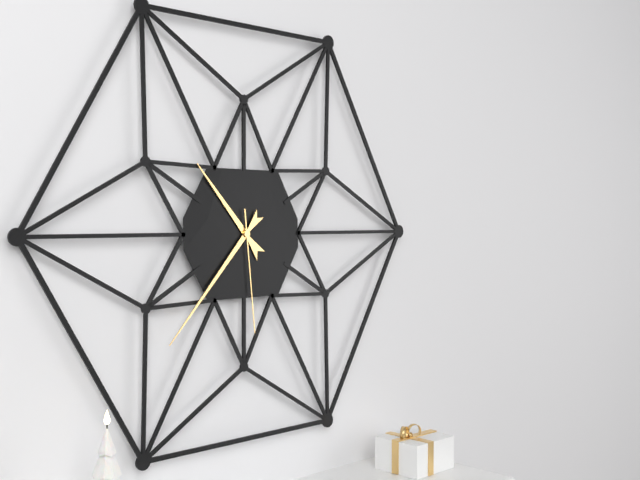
10:37:29
